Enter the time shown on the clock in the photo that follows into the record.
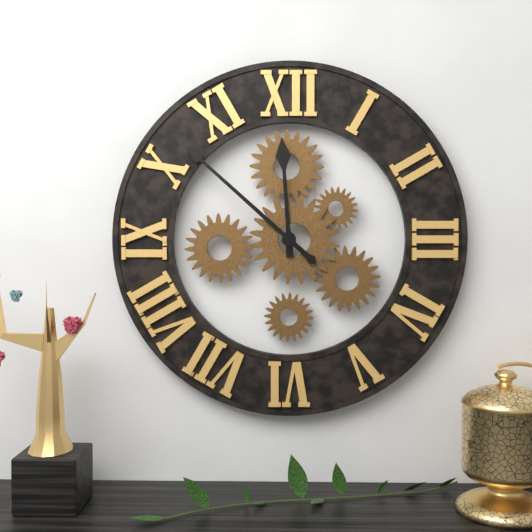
11:52
